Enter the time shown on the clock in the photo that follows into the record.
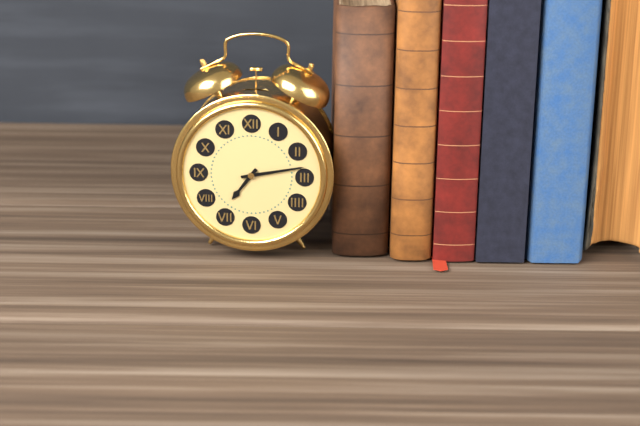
7:13
